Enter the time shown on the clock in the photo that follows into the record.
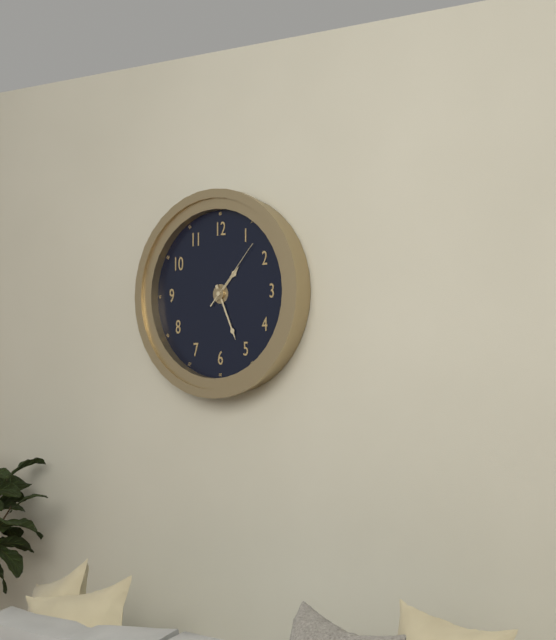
1:26:07
